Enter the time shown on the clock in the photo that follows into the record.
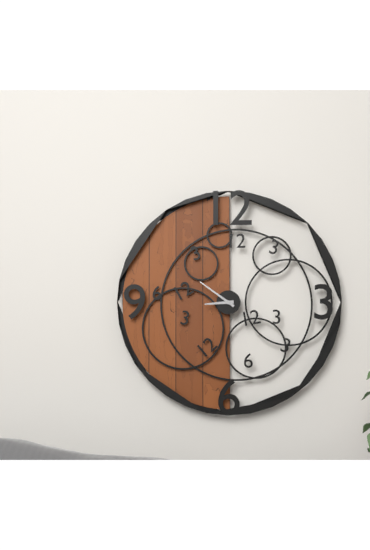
8:51
